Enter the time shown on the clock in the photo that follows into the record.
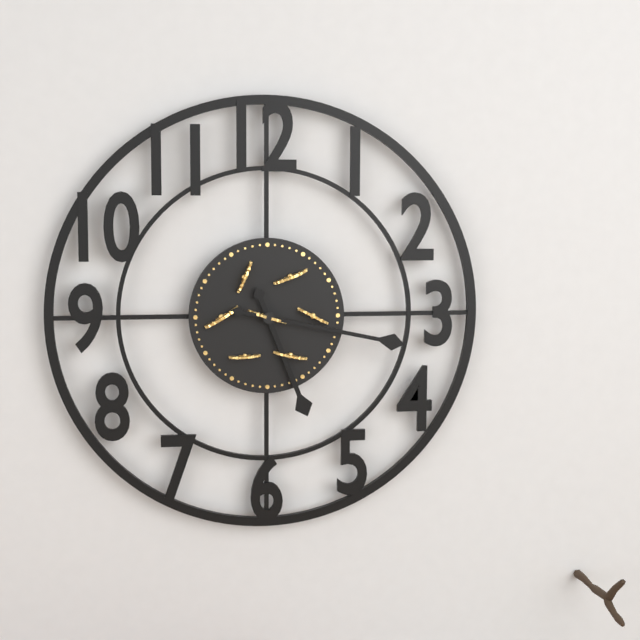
5:17
